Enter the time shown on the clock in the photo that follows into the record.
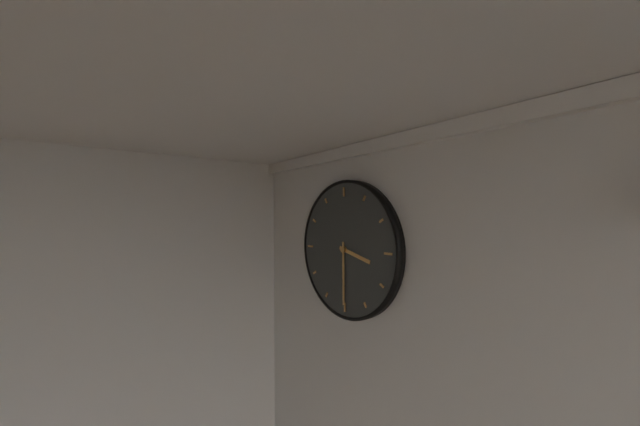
3:30
